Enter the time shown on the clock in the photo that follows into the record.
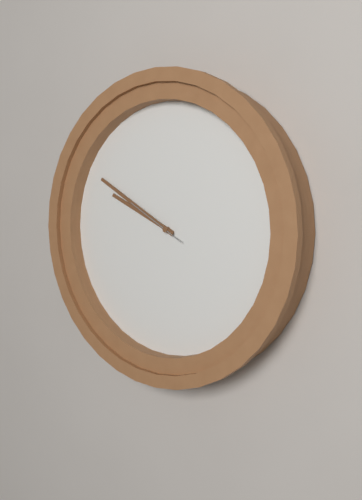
9:50:50
